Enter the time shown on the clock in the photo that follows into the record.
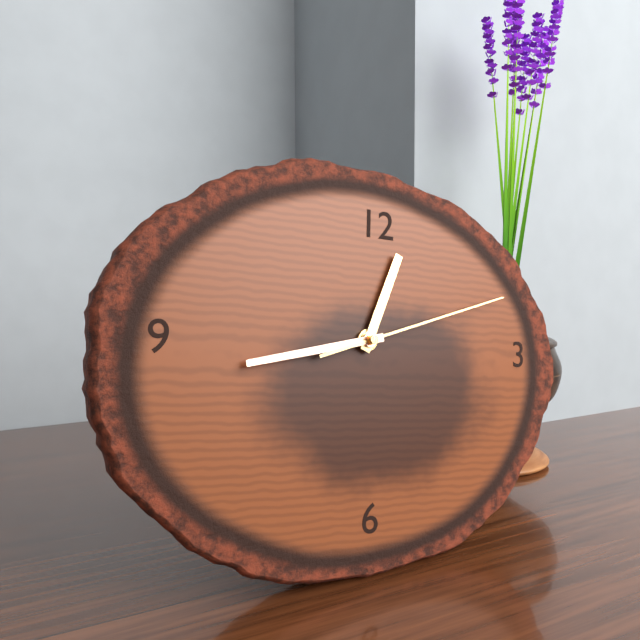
12:43:12
